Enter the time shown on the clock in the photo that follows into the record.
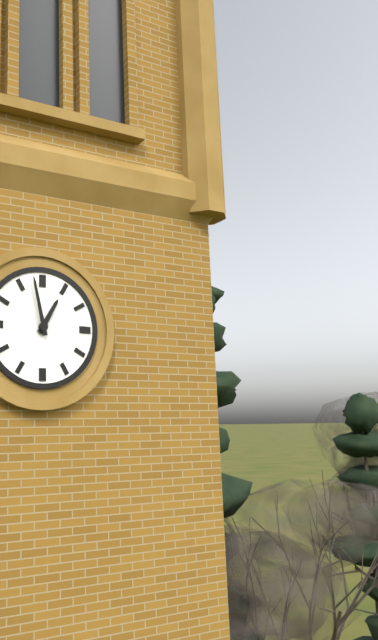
12:58
